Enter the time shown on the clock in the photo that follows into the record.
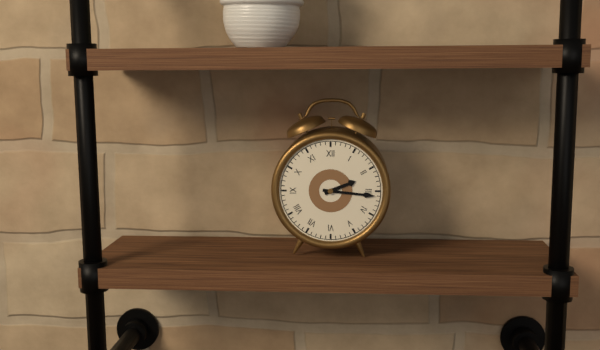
2:16
